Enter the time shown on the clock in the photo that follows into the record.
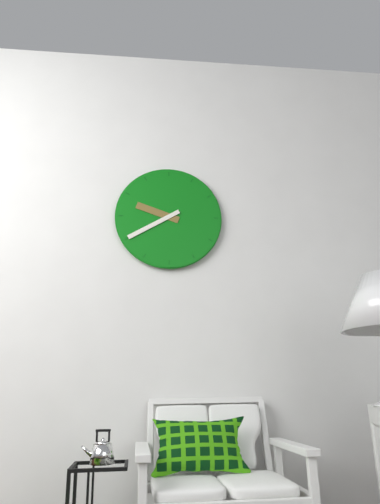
9:40
